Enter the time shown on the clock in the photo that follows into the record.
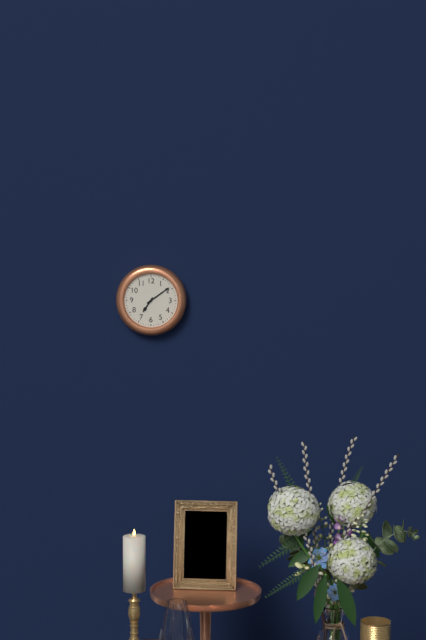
7:09
